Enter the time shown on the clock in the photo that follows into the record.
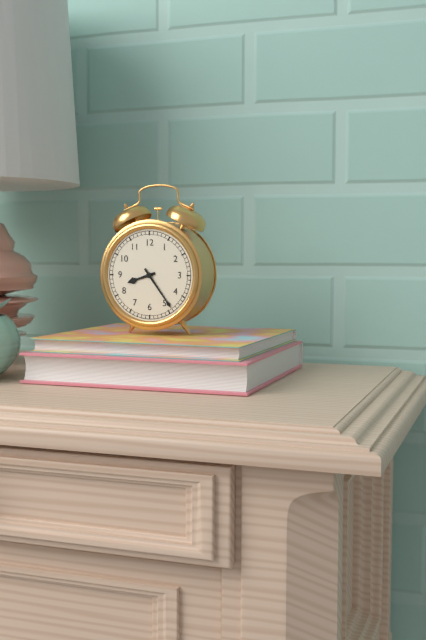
8:24
